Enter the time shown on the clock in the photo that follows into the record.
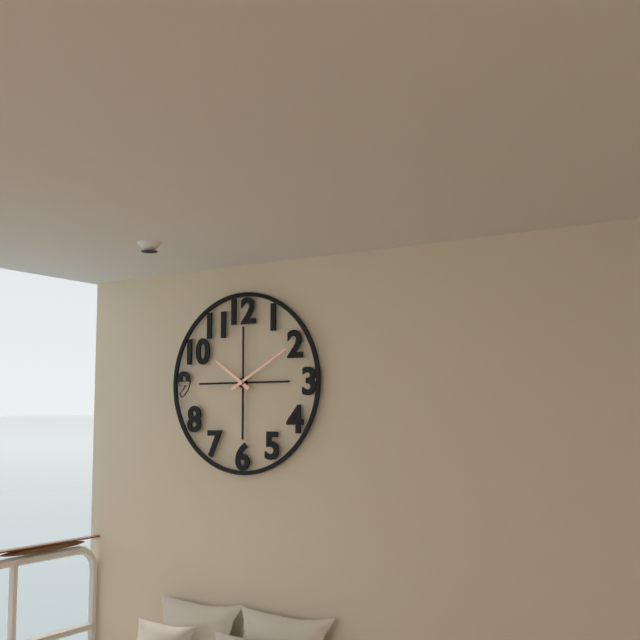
10:10
